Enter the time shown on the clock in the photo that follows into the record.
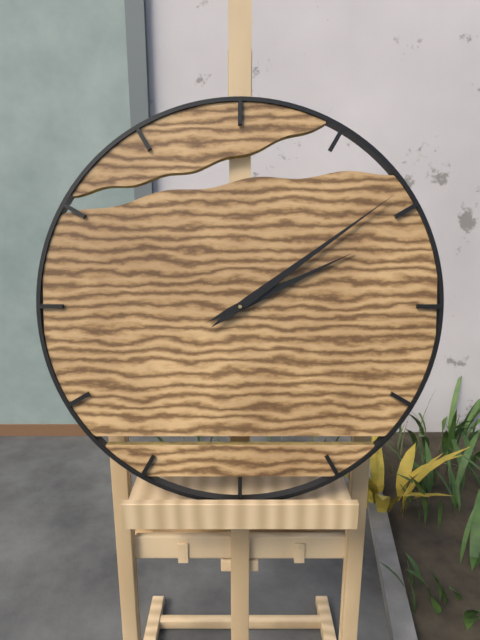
2:09
